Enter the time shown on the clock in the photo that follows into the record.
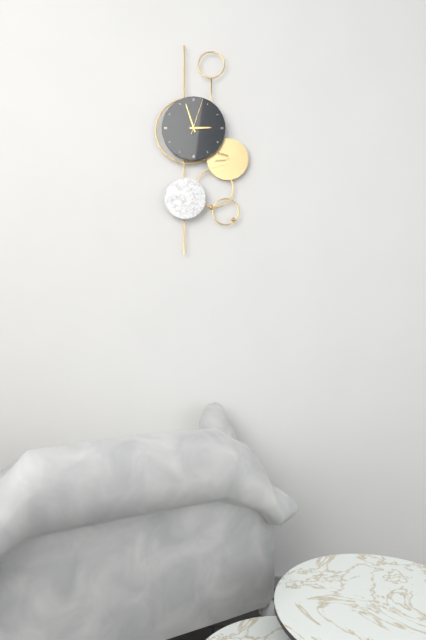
2:57
